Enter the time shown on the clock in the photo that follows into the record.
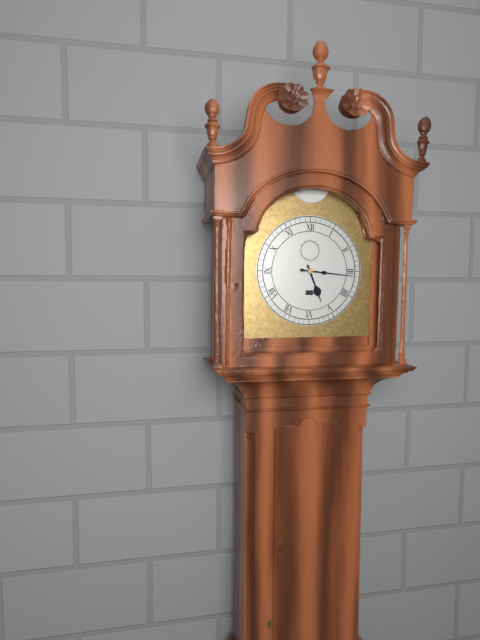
5:16
